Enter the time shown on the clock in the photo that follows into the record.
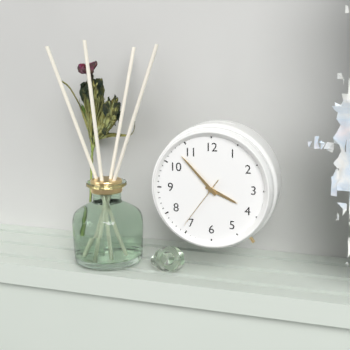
3:53:36
